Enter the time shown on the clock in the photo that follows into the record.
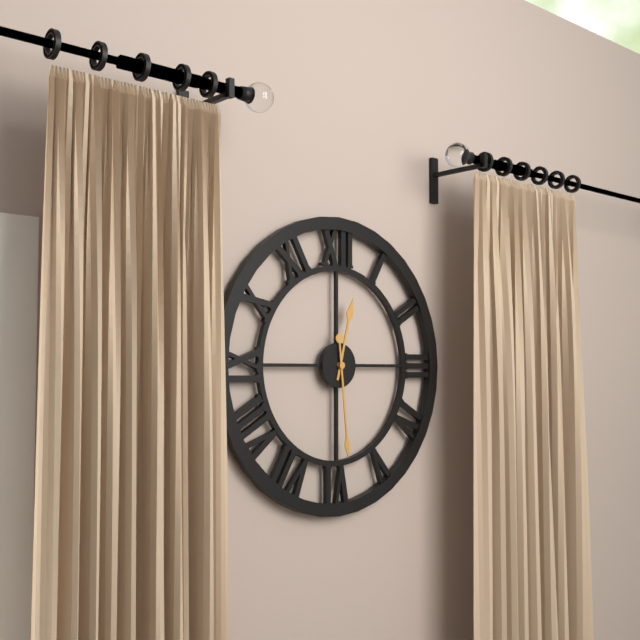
12:29
